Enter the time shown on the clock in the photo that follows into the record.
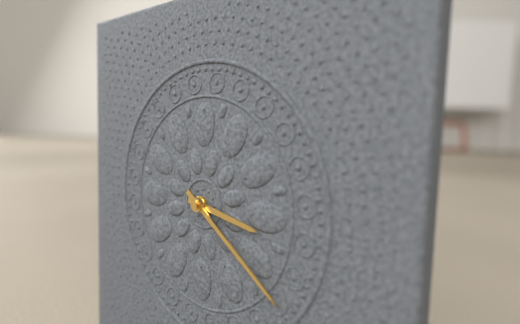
3:21
